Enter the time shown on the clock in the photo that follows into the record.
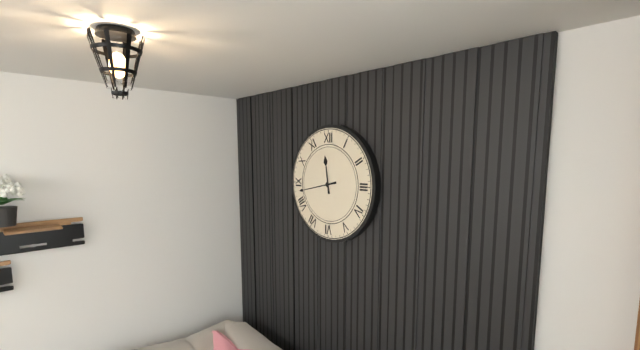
11:43
